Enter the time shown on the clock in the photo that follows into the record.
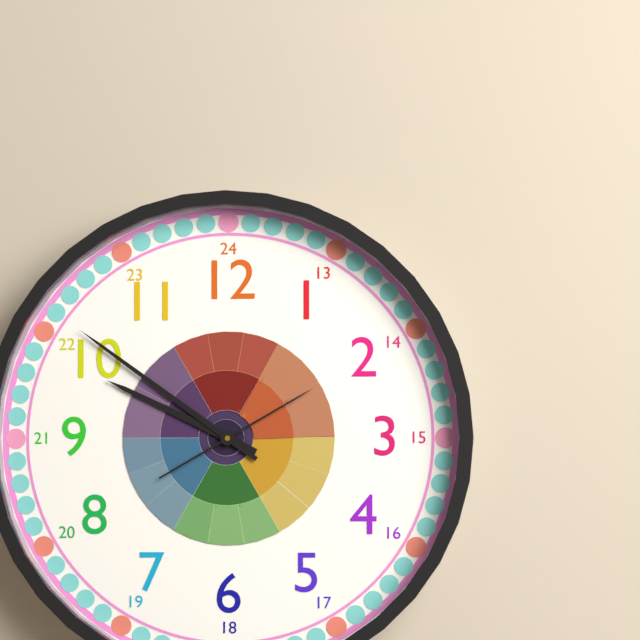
9:51:10
